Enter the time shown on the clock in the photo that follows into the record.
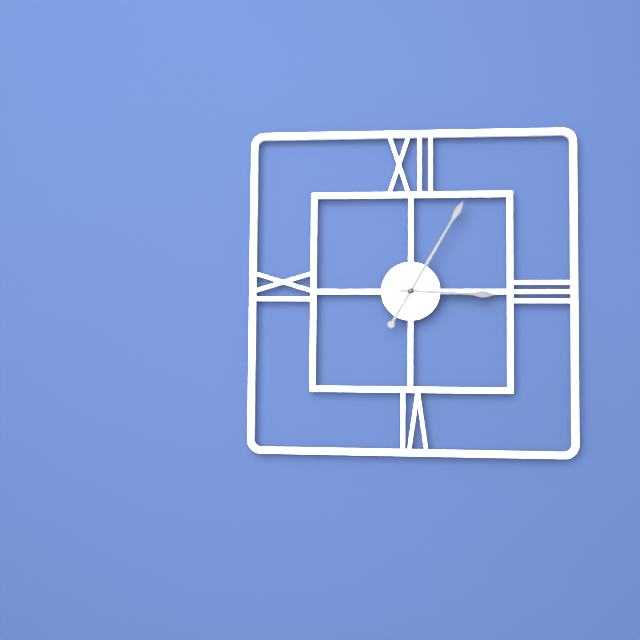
3:05
